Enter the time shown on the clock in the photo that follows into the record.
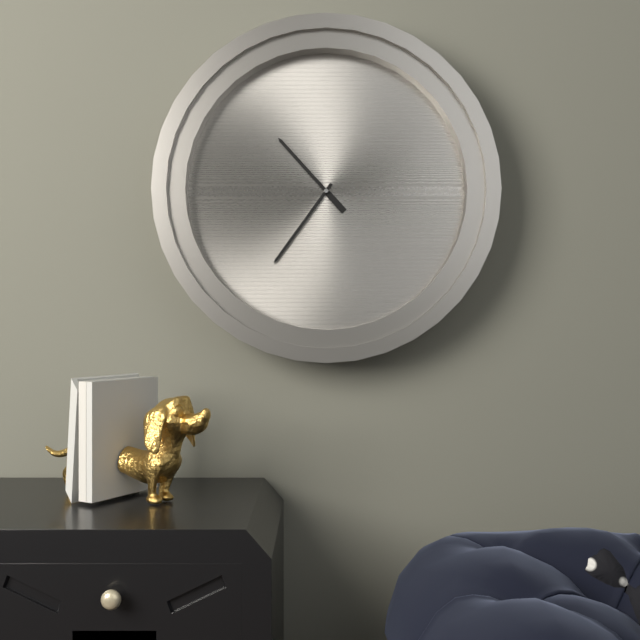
10:36
